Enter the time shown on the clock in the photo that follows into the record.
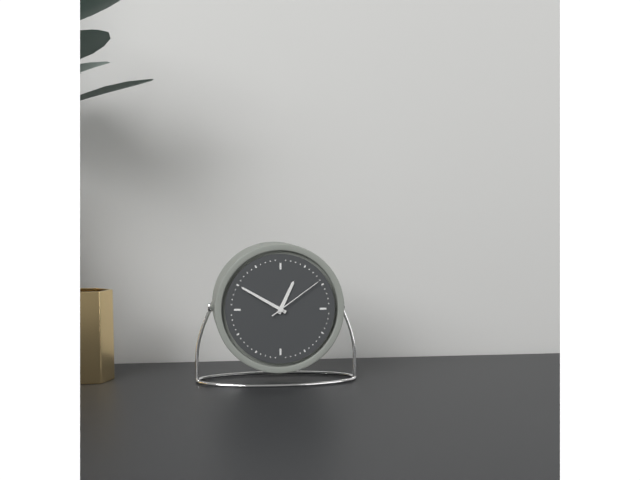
12:50:09
